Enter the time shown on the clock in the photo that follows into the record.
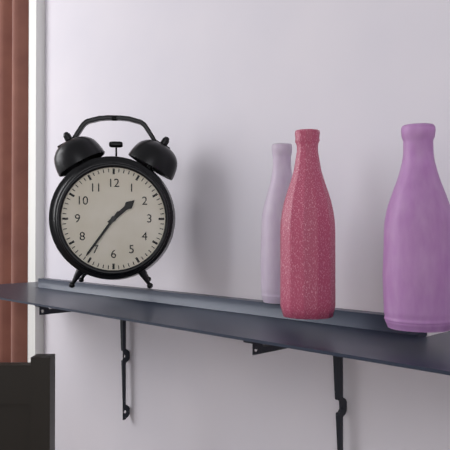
1:36
